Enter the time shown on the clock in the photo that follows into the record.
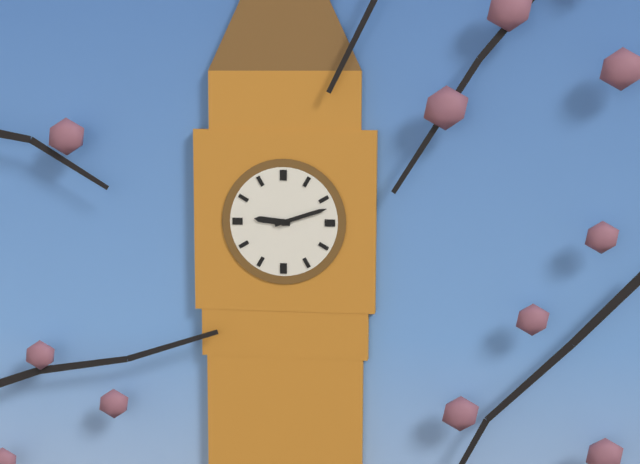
9:12
